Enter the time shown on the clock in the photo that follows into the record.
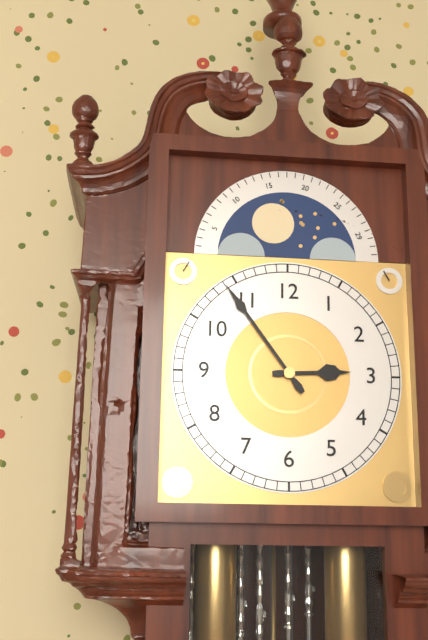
2:54
